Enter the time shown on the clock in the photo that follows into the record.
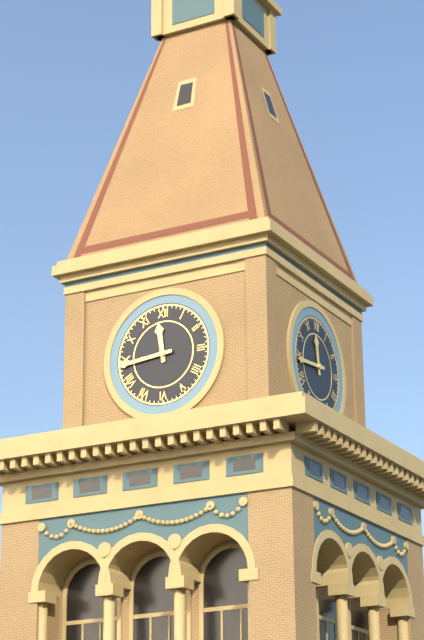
11:44
